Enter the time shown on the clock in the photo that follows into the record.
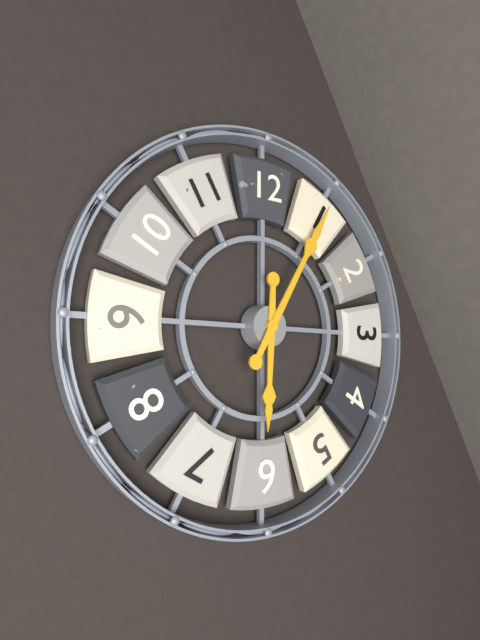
6:05
